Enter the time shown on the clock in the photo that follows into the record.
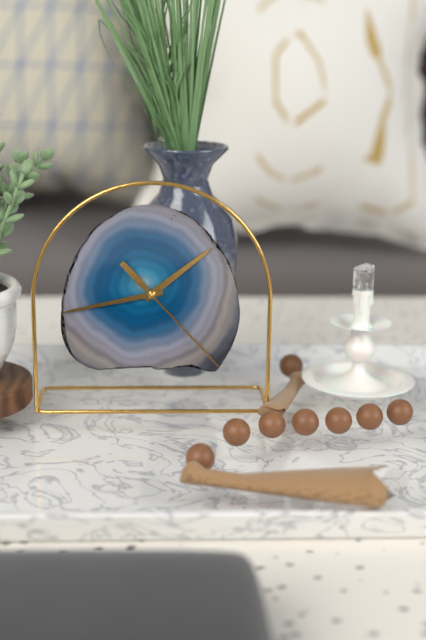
1:43:23
